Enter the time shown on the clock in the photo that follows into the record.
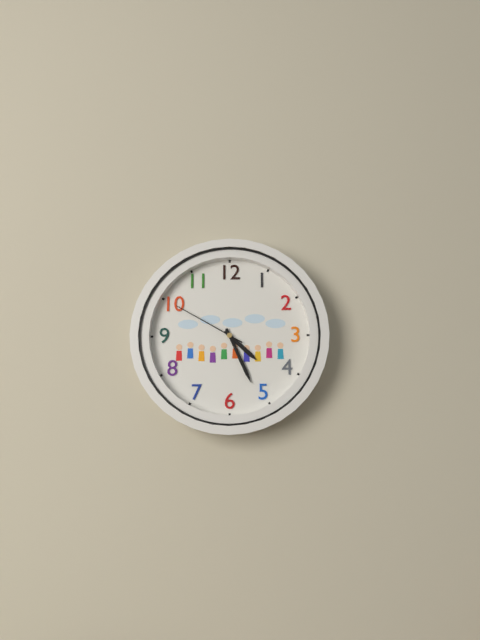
4:26:50
